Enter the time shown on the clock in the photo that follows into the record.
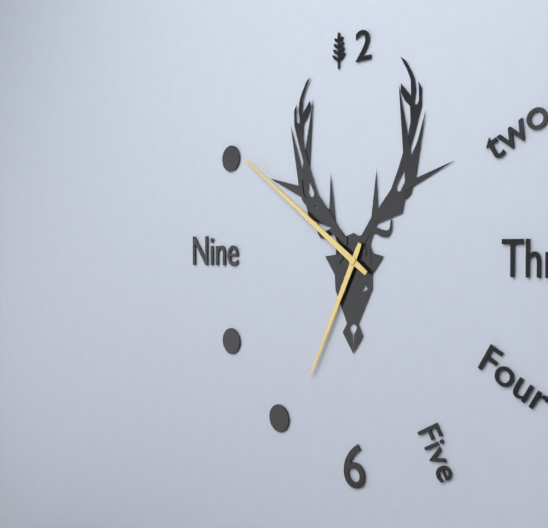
6:51
